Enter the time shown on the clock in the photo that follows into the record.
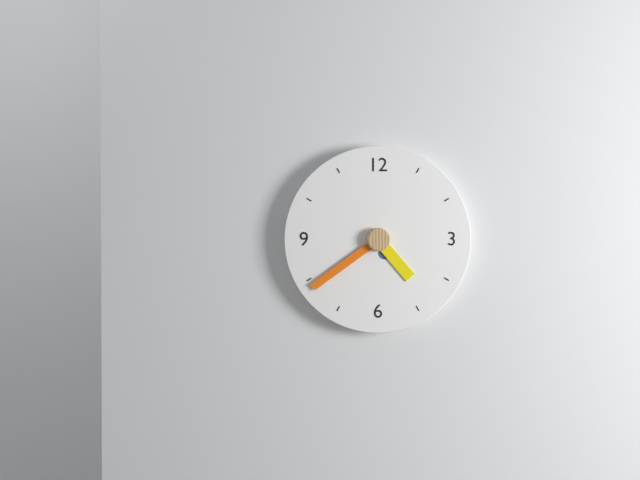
4:39
